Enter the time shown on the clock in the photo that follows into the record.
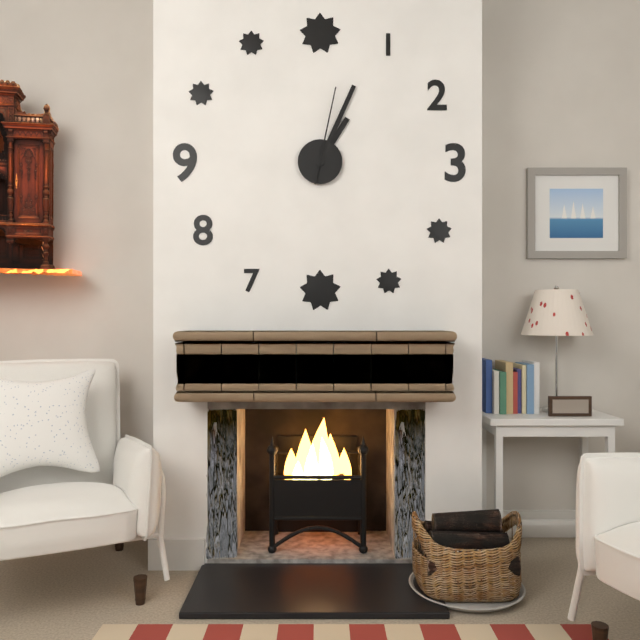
1:04:02
